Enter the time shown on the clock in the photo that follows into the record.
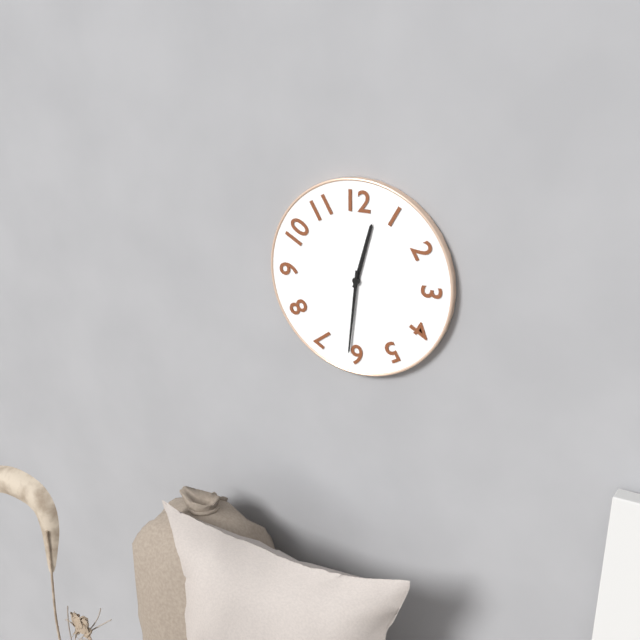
12:31
